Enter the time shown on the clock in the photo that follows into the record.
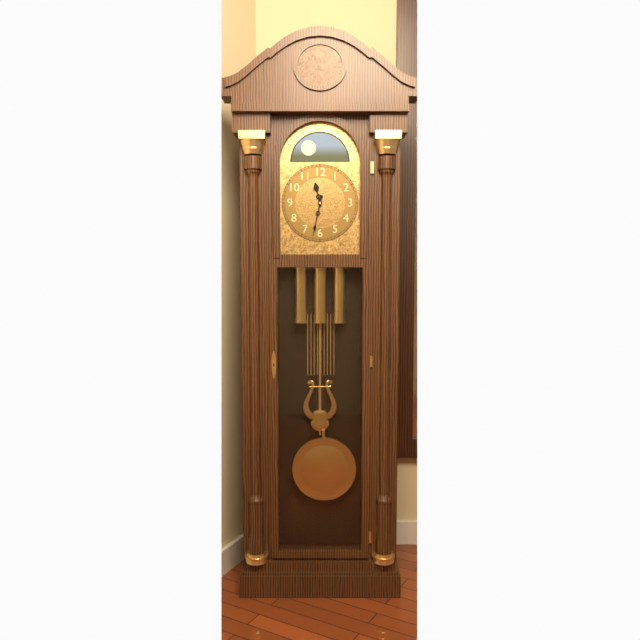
11:32
